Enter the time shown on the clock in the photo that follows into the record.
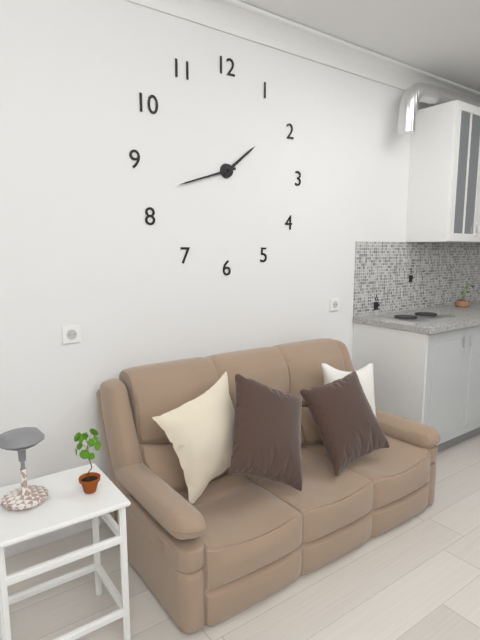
1:42
